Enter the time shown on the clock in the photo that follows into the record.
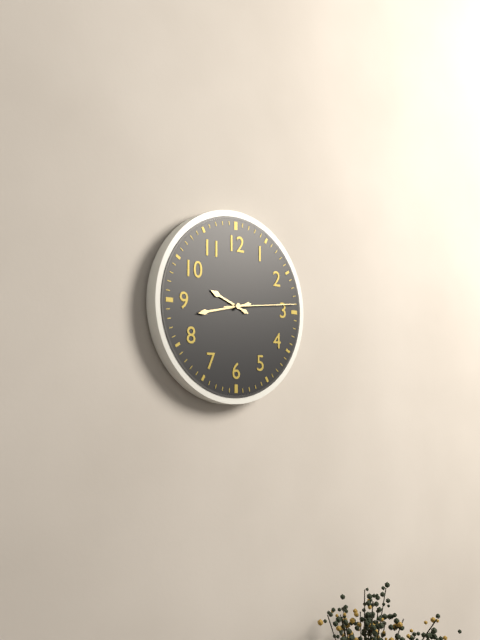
9:43:14
